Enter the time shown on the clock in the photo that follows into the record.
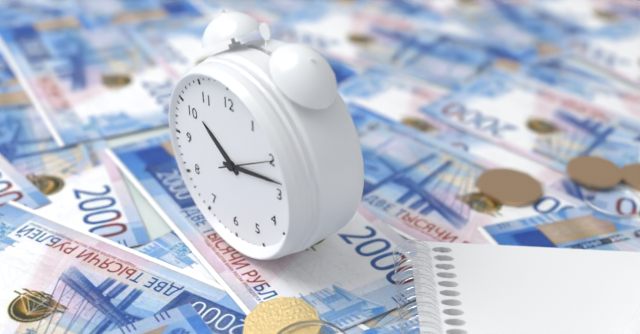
10:13:10
